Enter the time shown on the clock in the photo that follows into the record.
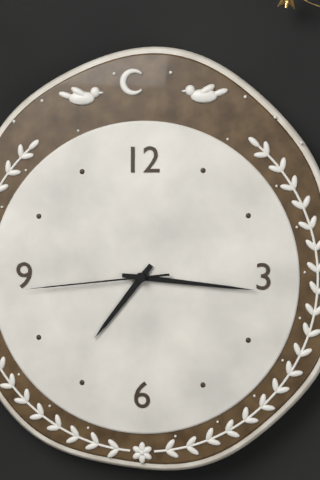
7:16:44
